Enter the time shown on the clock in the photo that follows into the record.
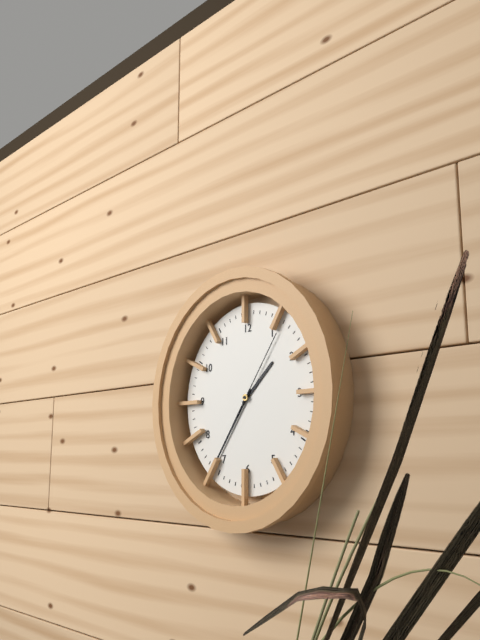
1:36:06
